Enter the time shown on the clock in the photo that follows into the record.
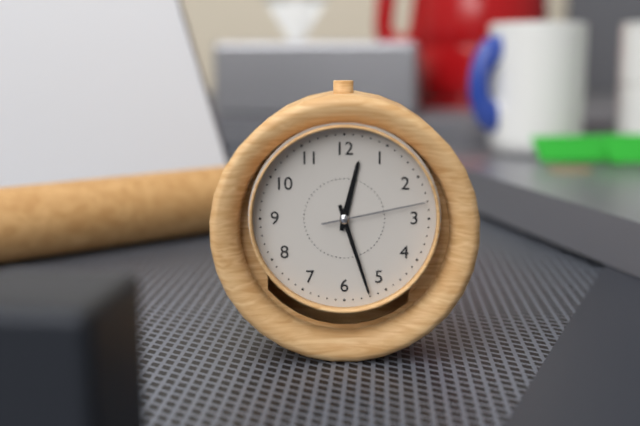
12:27:13
